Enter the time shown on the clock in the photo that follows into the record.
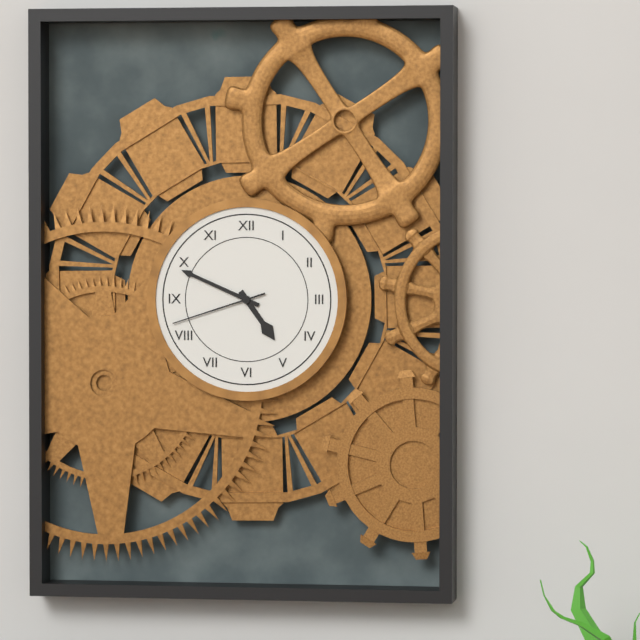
4:49:42
